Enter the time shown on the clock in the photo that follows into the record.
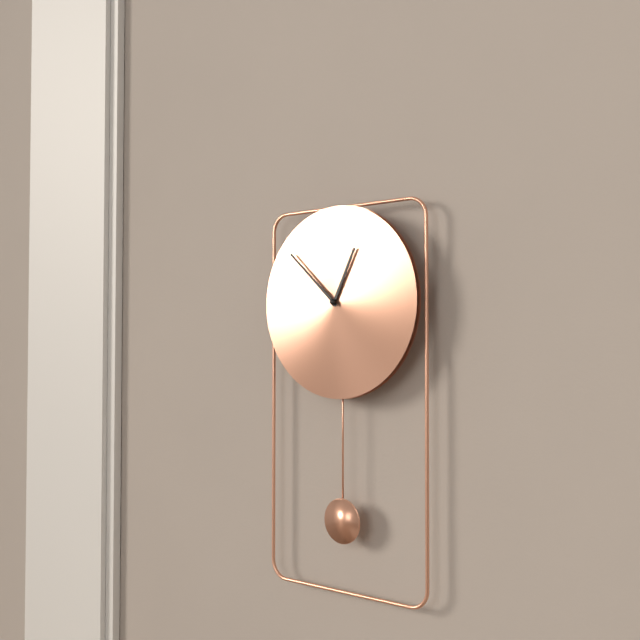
12:52
